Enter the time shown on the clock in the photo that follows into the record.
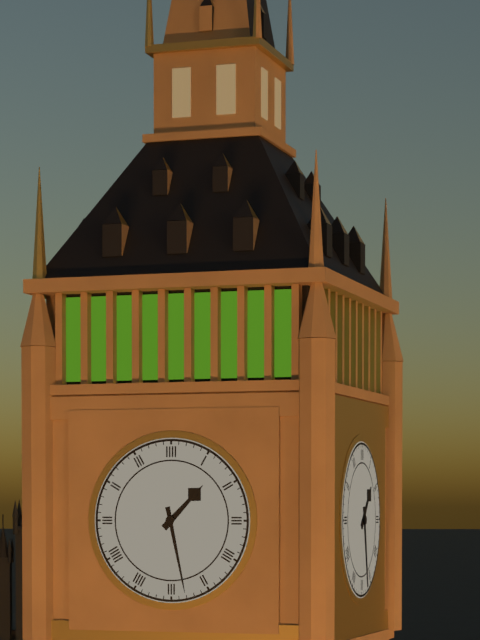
1:28
